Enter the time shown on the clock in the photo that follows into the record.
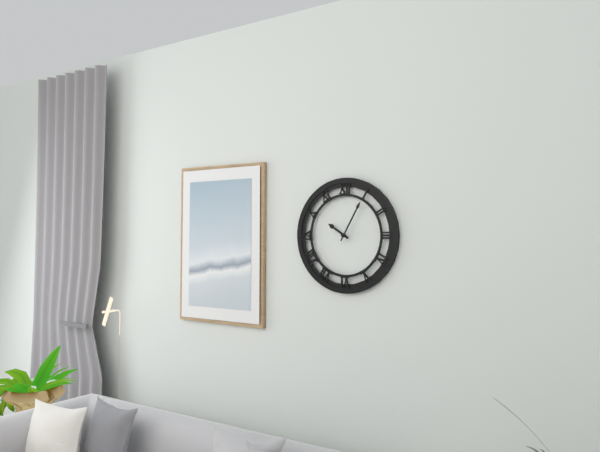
10:05
